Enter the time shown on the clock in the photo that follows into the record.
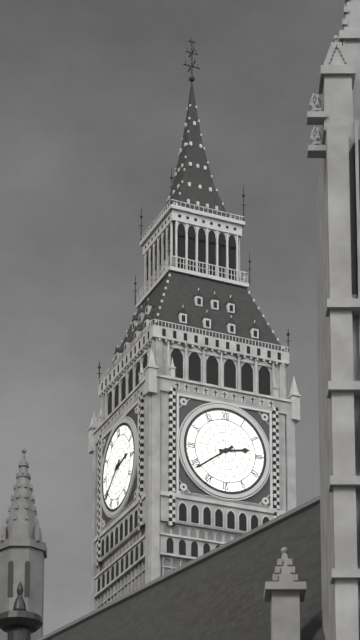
2:39
